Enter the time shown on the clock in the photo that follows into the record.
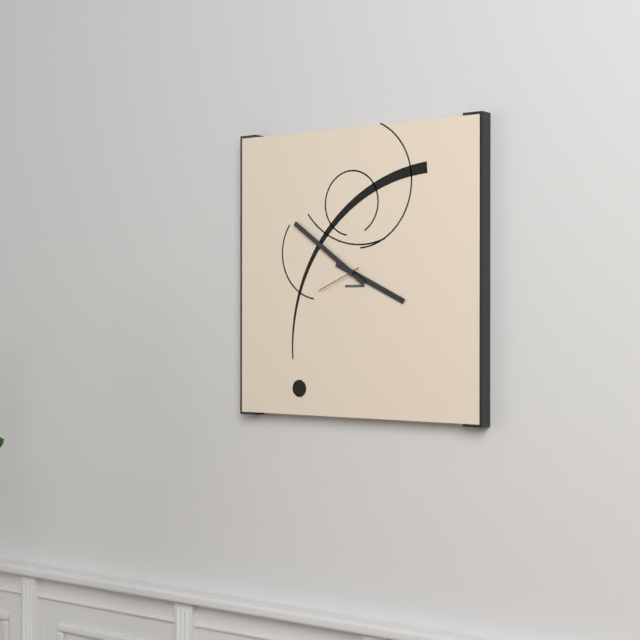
3:51
